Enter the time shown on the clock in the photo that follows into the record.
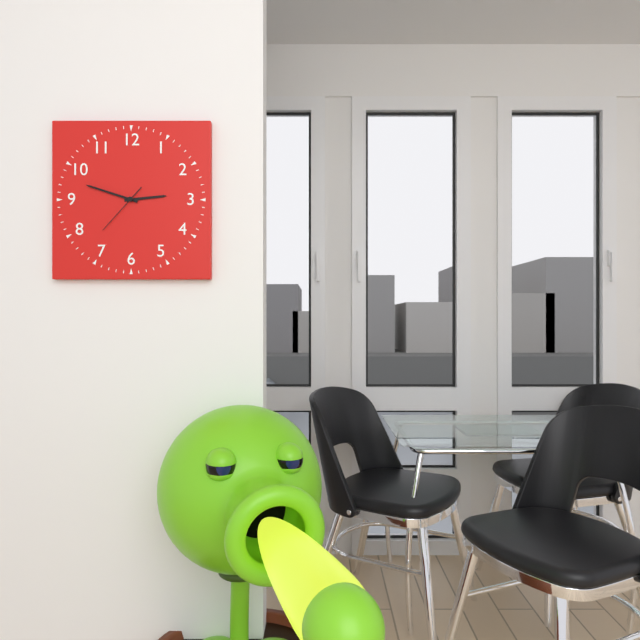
2:48:37
